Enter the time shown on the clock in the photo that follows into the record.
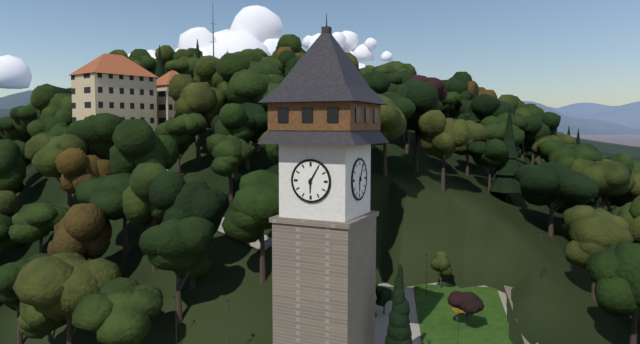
6:05
